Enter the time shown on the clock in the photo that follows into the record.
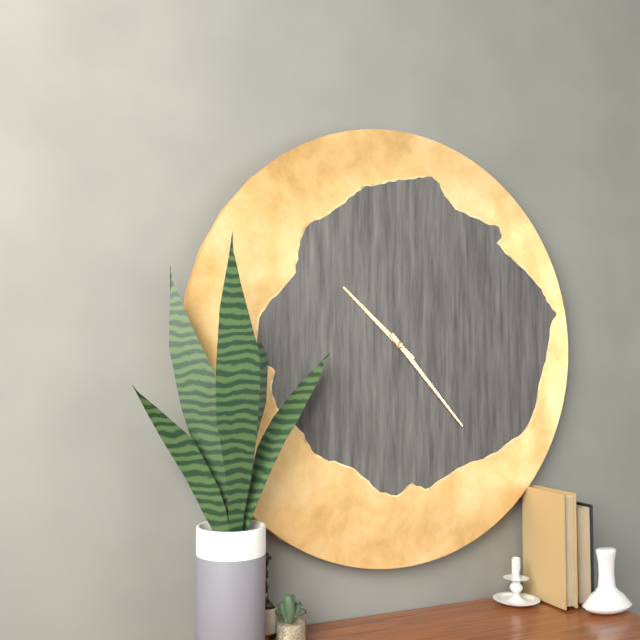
10:23
